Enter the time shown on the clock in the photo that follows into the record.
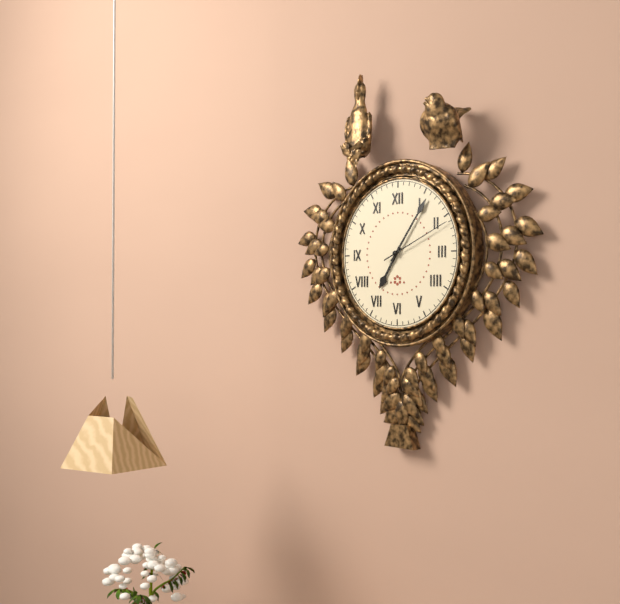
7:06:11
